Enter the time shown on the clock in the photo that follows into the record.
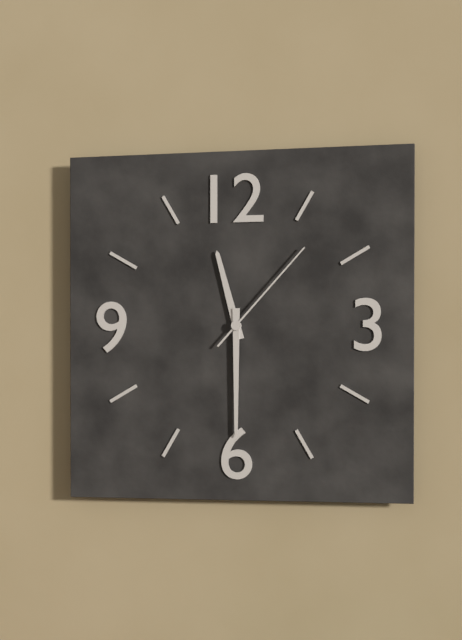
11:30:07
